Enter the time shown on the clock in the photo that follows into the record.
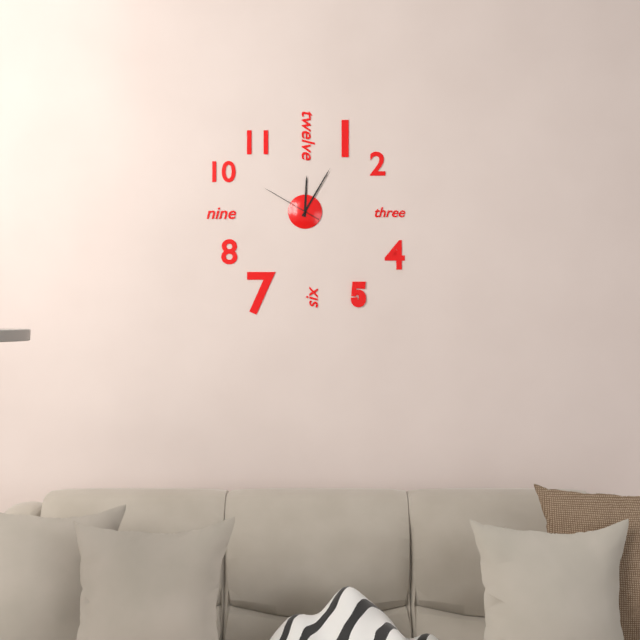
12:05:50
